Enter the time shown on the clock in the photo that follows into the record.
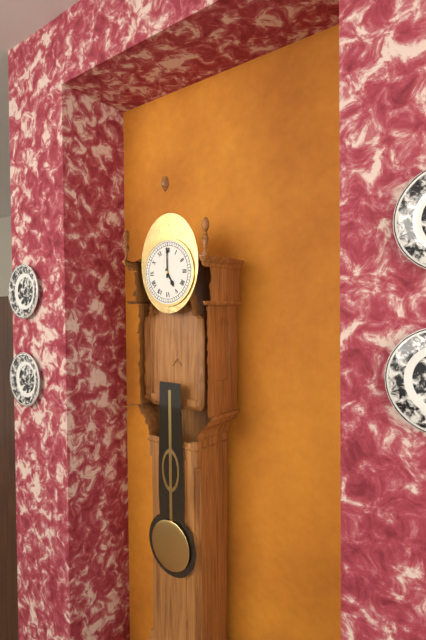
5:00
